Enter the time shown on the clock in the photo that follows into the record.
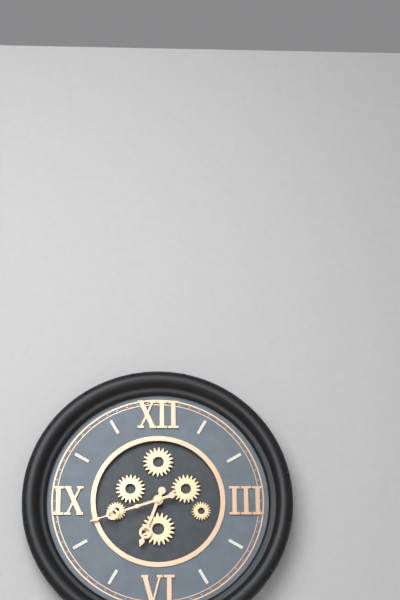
6:42
